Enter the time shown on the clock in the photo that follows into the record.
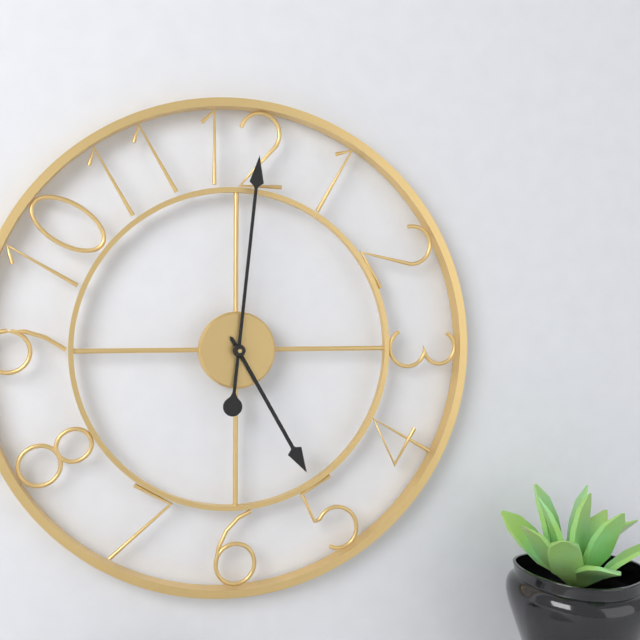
5:01
